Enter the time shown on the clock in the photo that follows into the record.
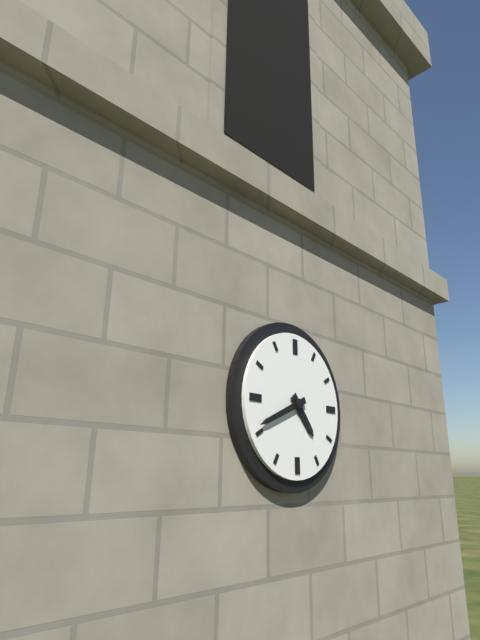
4:41
